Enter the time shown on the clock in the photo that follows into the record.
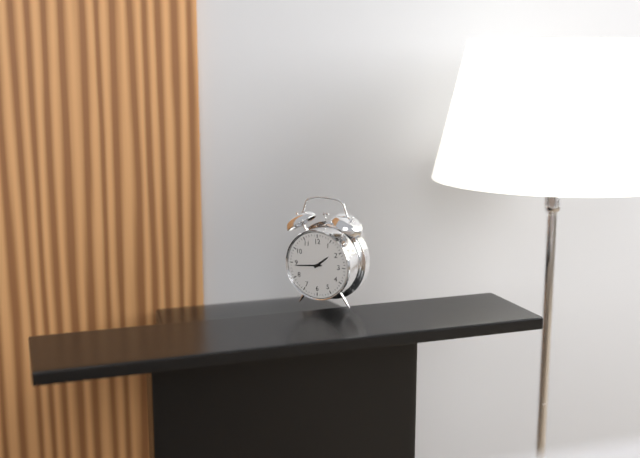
1:44
